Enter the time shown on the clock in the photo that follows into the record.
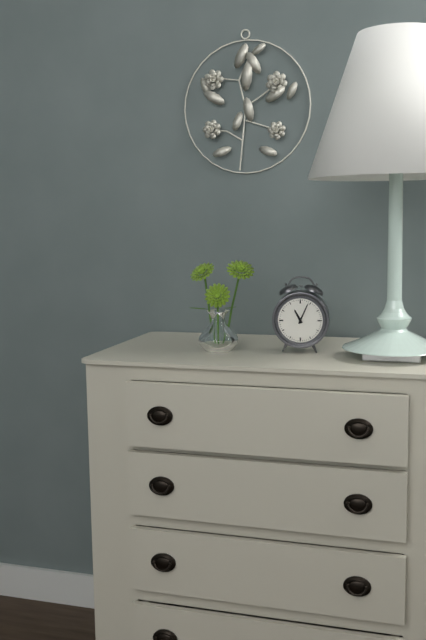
11:04
